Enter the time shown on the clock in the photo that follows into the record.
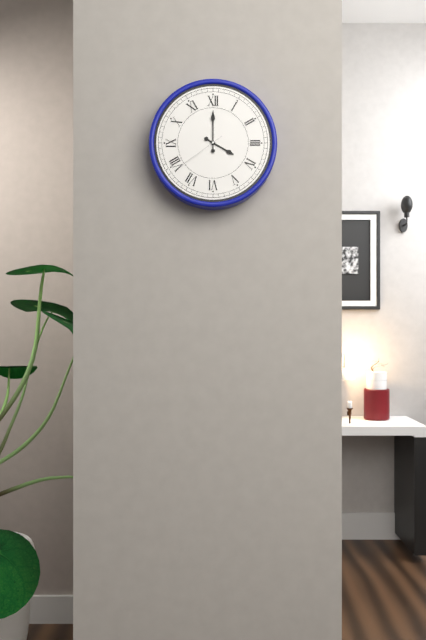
4:00:39
